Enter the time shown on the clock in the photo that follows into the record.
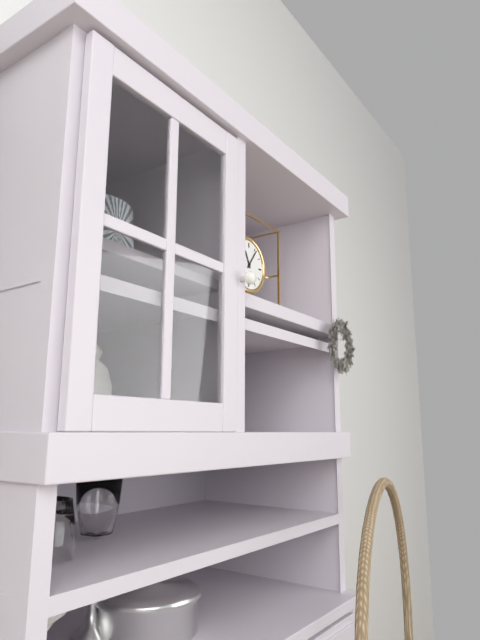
11:06
